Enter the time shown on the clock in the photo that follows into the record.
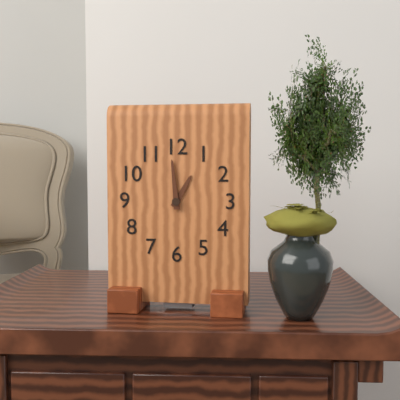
12:59
